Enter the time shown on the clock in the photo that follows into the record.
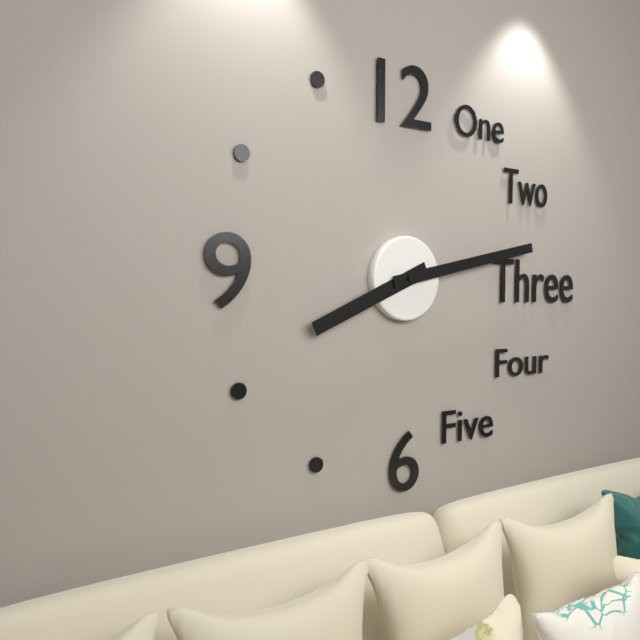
8:13
